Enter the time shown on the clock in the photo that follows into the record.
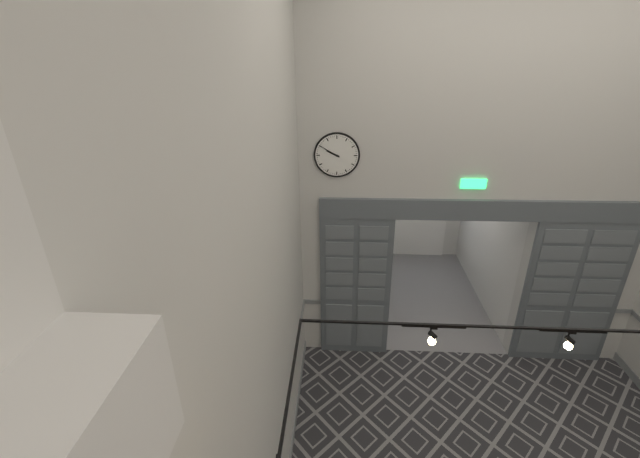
9:50
